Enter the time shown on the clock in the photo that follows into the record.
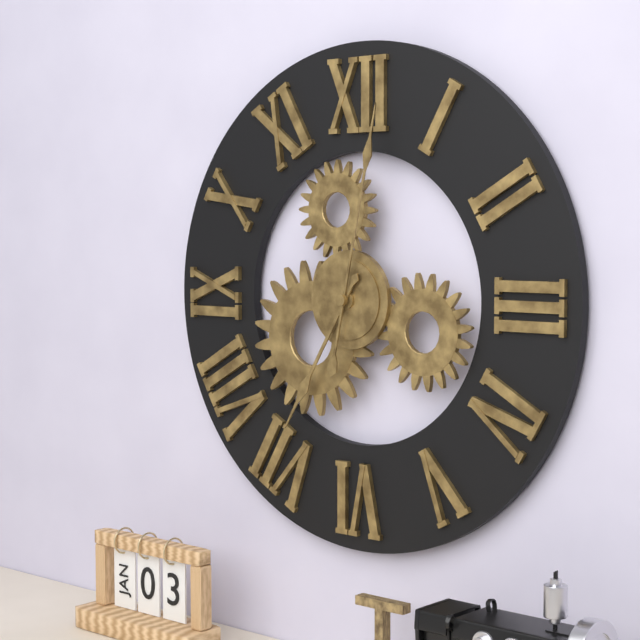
7:02
